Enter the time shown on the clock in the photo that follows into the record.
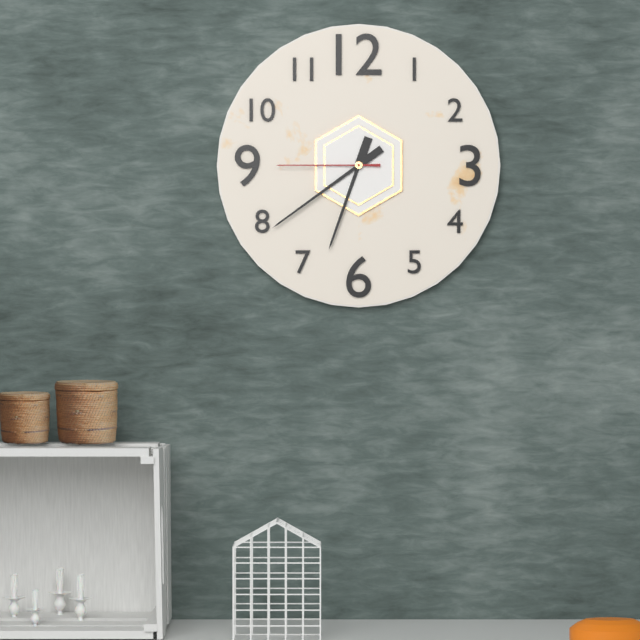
6:39:45
